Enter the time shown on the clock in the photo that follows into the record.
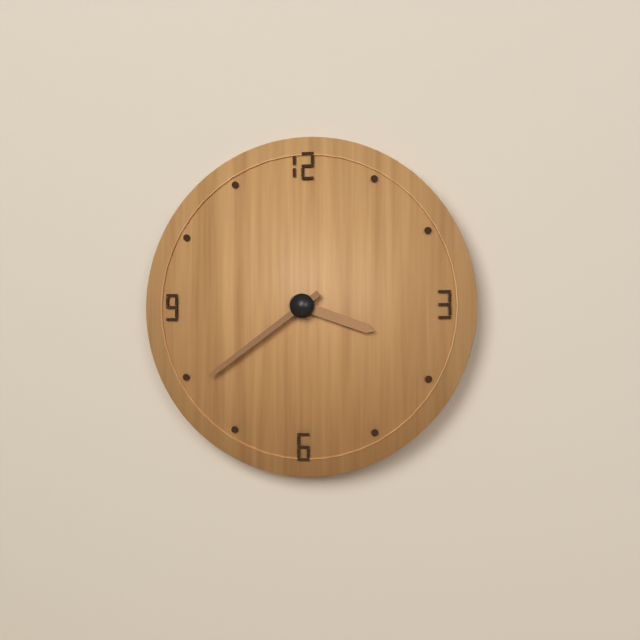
3:39
